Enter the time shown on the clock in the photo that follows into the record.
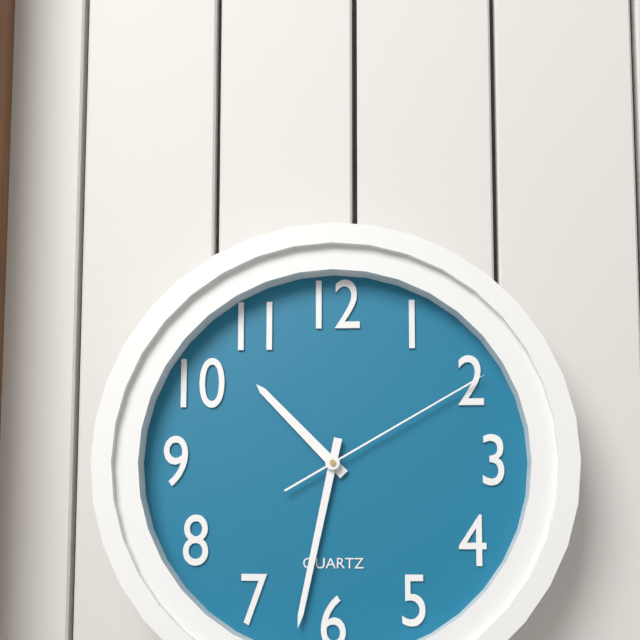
10:32:10
